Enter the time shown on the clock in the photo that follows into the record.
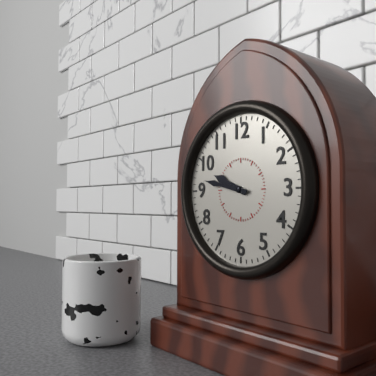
9:47
